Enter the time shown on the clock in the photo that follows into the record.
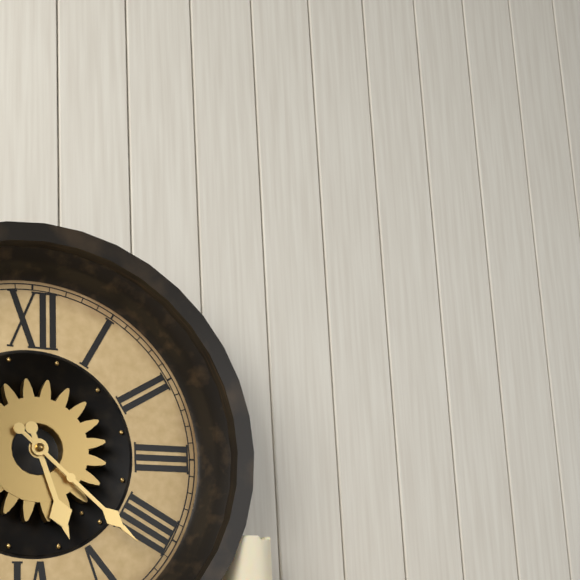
5:22
